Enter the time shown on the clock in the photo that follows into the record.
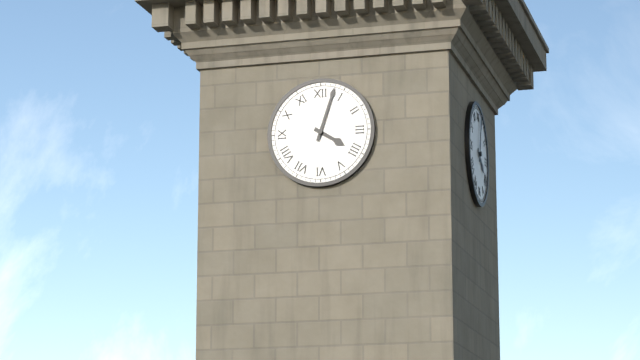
4:03
